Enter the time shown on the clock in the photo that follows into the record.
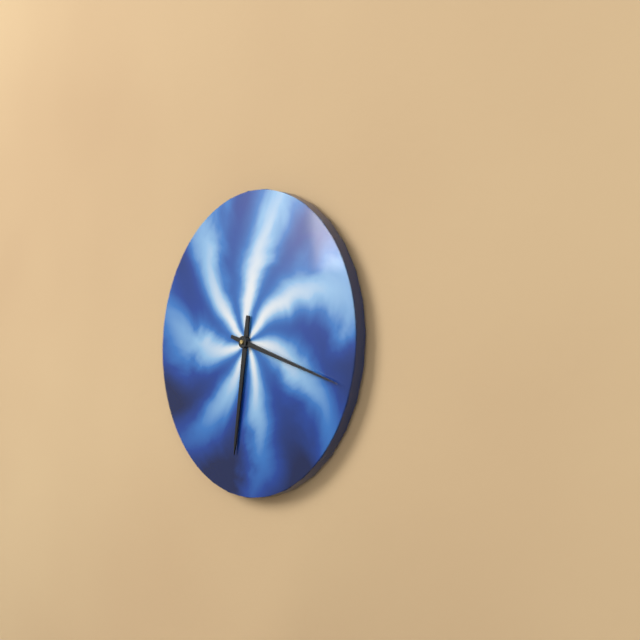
6:18
